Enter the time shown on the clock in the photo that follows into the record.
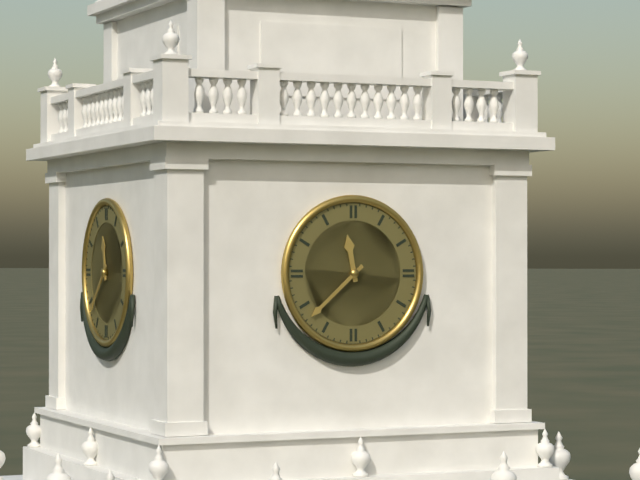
11:38
